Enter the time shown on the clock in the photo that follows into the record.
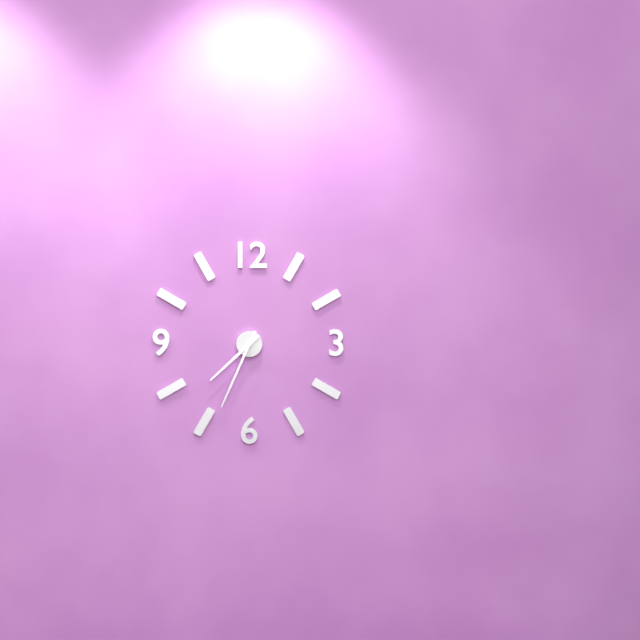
7:34
